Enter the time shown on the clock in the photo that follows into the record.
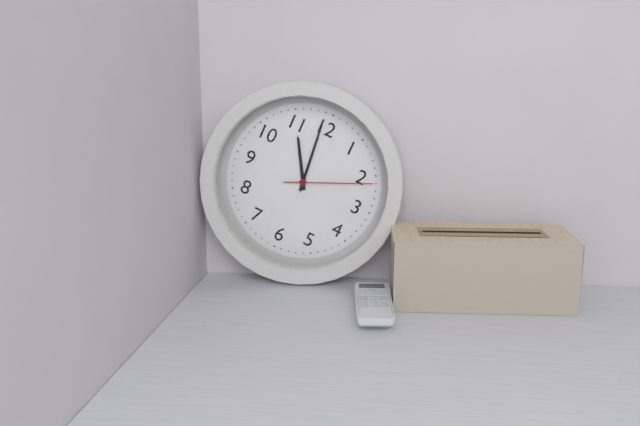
10:59:11
